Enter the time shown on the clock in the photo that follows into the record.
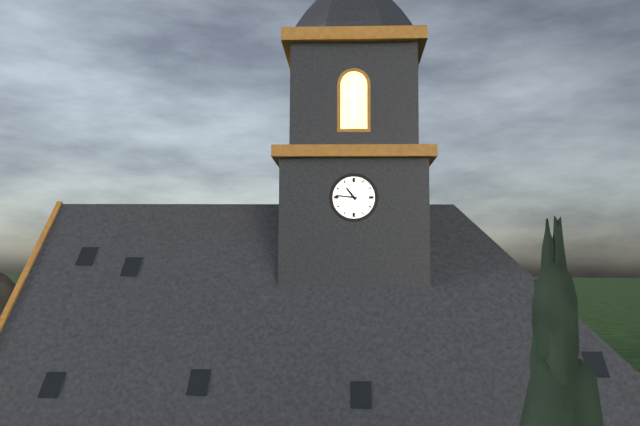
10:46
